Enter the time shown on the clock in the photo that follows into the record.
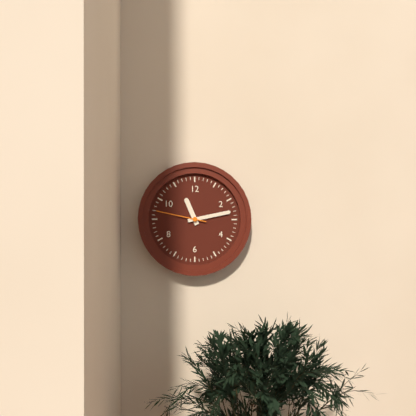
11:13
